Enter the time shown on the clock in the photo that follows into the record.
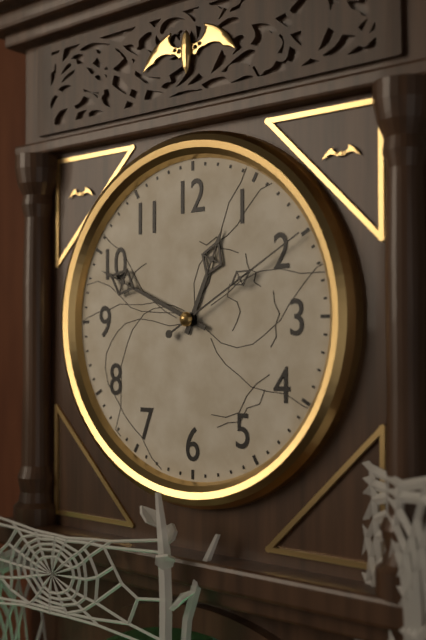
12:49:10
